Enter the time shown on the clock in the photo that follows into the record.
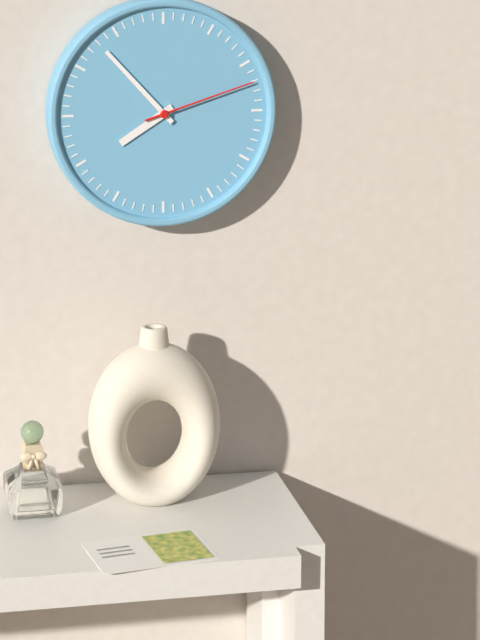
7:53:12
